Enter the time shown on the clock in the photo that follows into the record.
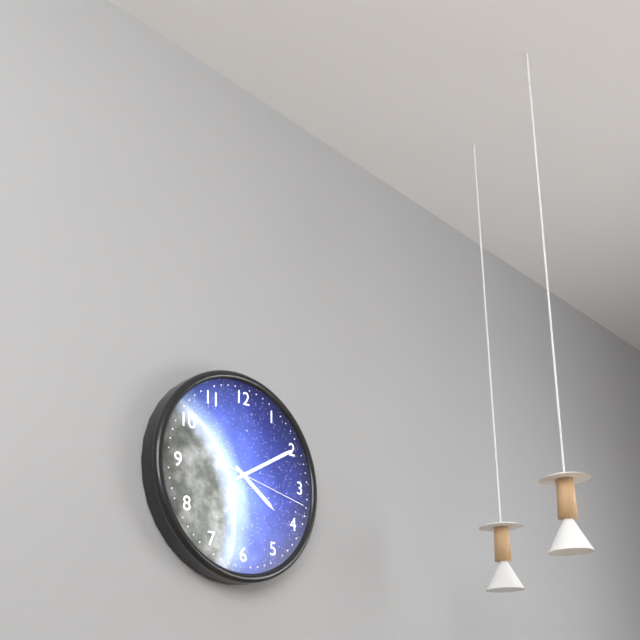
4:10:17
